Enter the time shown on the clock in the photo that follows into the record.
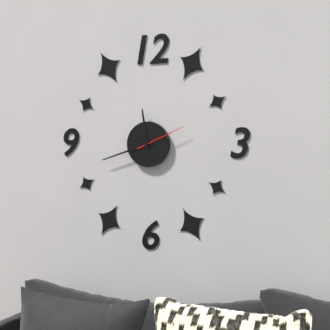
11:42:11
